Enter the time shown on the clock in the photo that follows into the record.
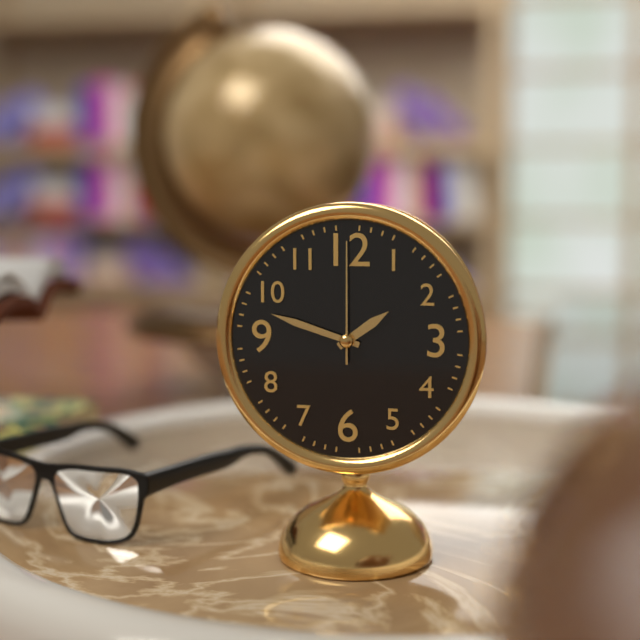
1:48:00
